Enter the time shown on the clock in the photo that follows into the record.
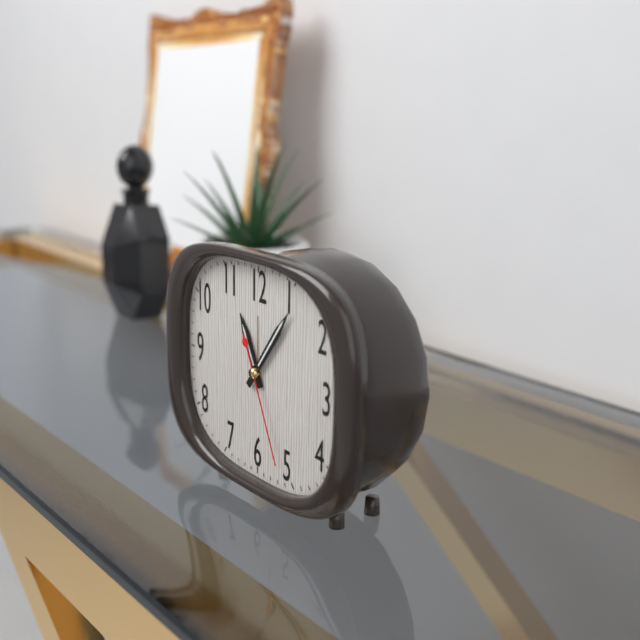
11:06:26
